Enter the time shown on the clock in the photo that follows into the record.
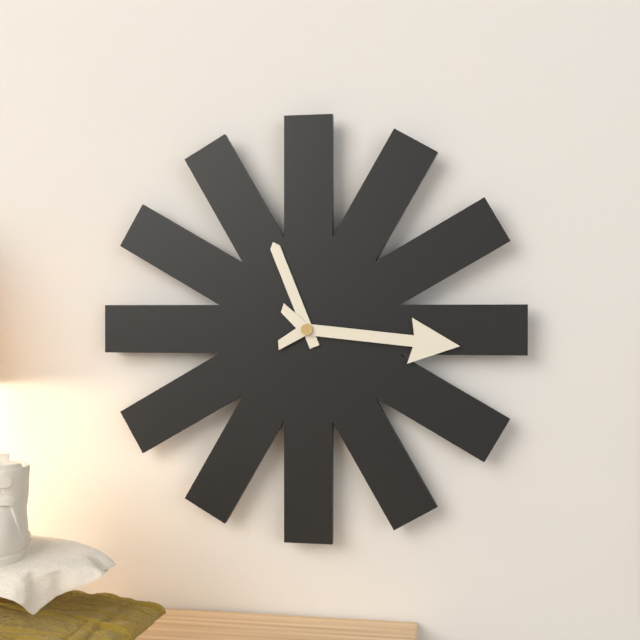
11:16
